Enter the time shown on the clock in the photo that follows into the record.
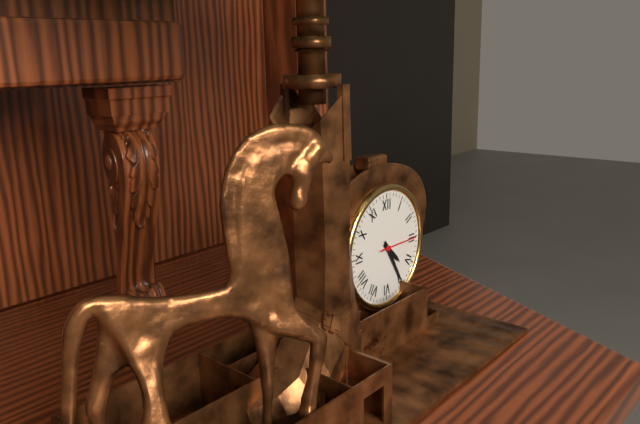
4:25:15
